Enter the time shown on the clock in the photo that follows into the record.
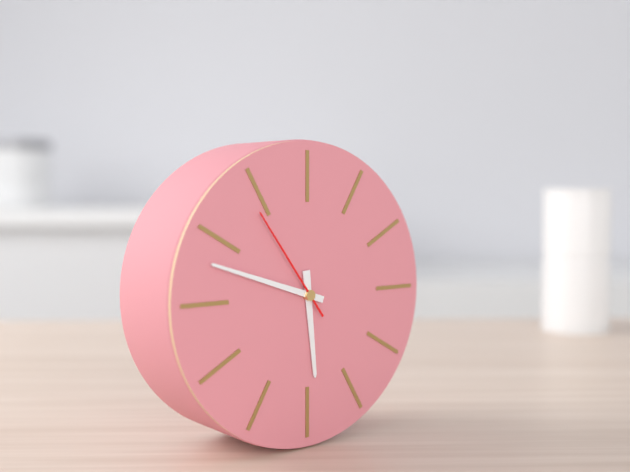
5:48:54
